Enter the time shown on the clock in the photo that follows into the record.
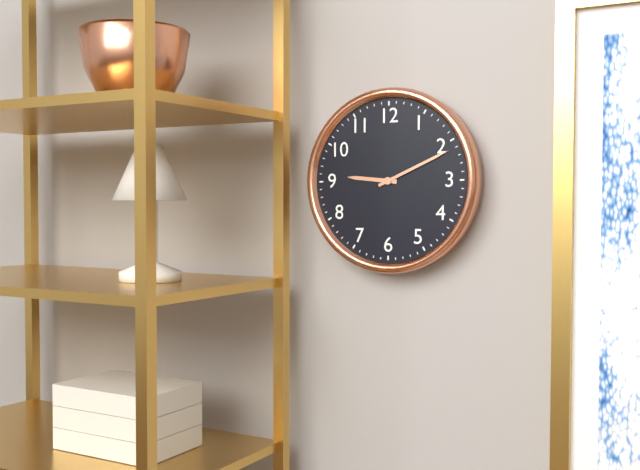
9:11
